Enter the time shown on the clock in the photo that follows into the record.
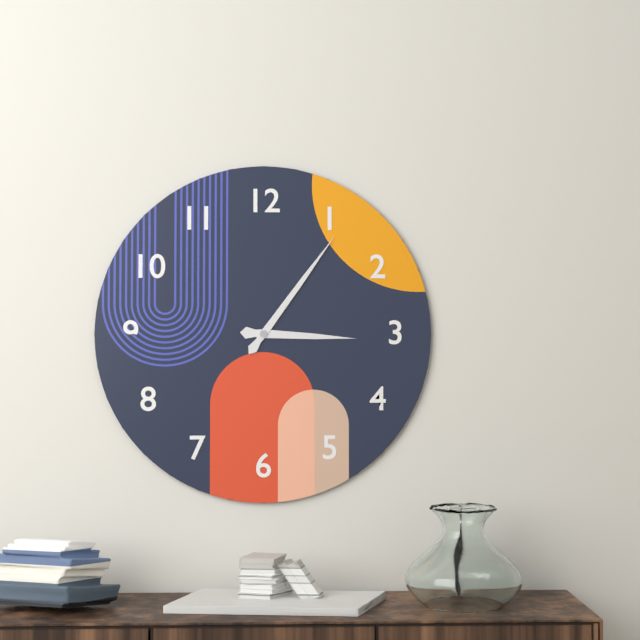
3:06
